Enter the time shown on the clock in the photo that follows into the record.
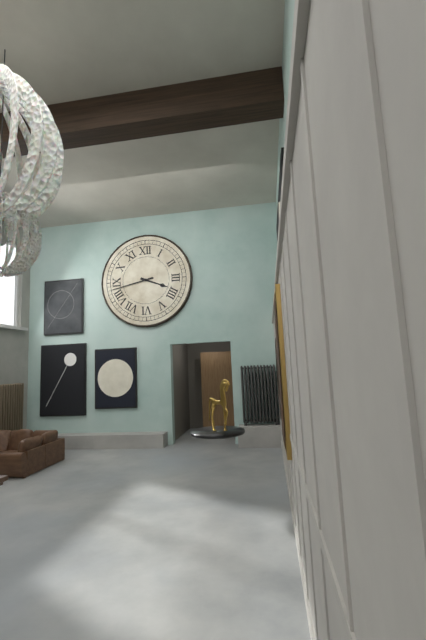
3:43
